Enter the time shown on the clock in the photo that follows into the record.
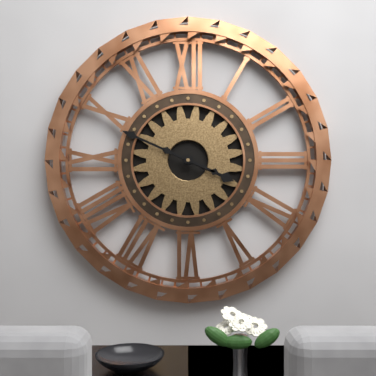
3:49
